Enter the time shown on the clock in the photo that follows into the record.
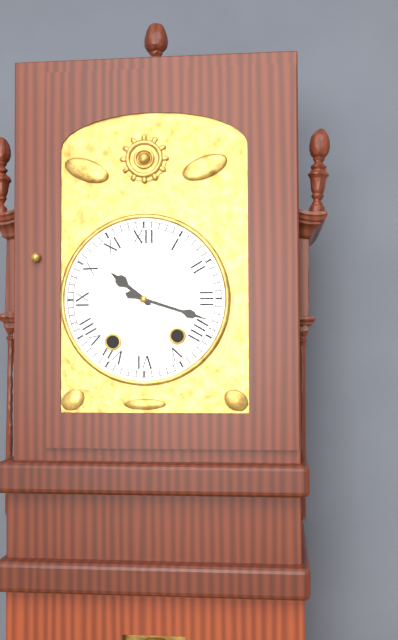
10:18
